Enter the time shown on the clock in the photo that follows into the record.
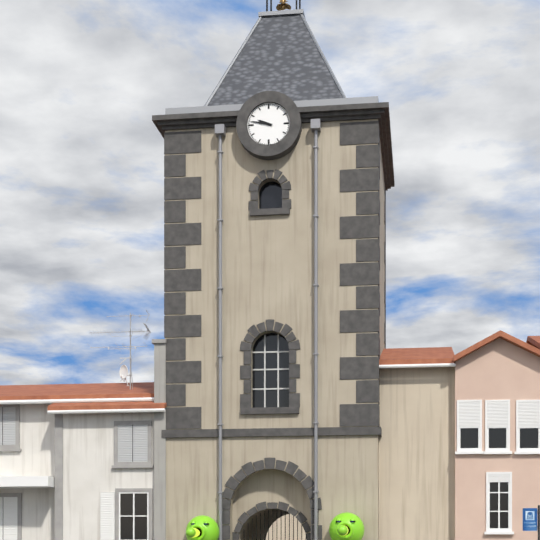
9:47
